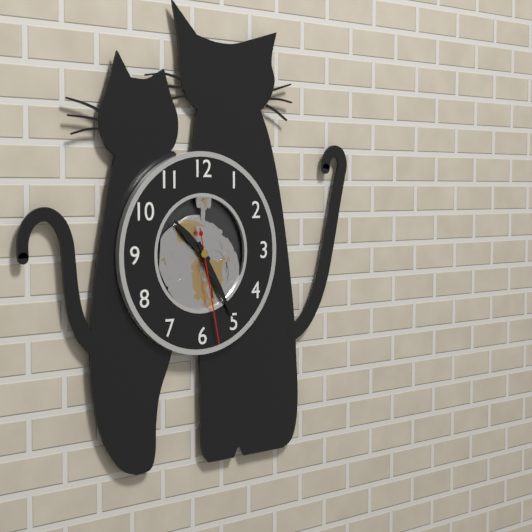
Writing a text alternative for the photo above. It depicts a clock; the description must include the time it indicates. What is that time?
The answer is 10:25:28
